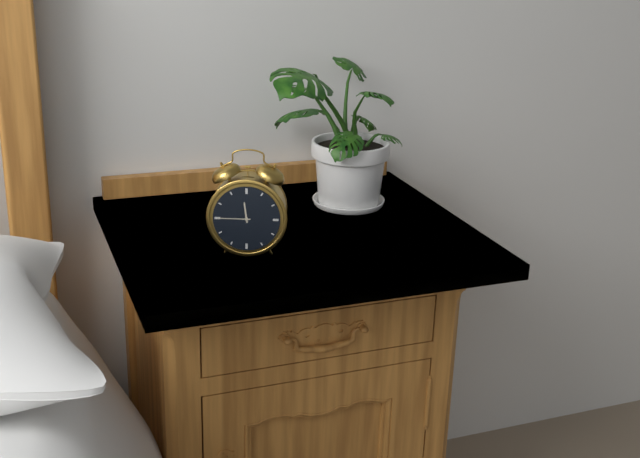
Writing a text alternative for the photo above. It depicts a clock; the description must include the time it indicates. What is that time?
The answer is 11:45
